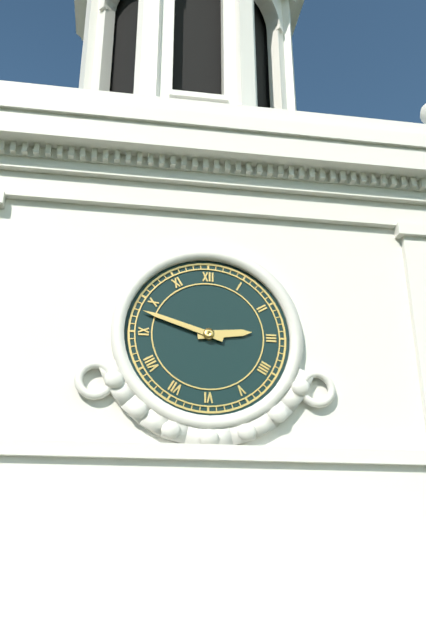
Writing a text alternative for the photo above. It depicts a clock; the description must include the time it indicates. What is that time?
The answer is 2:48
